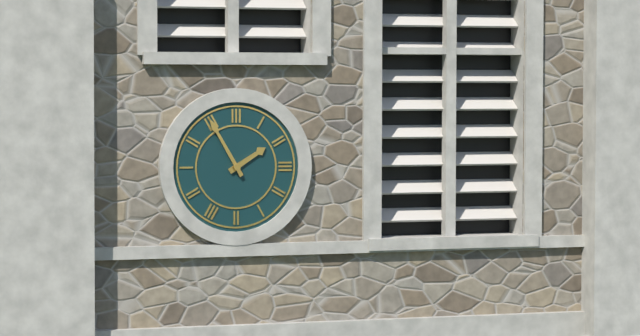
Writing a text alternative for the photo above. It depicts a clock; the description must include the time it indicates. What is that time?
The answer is 1:55
